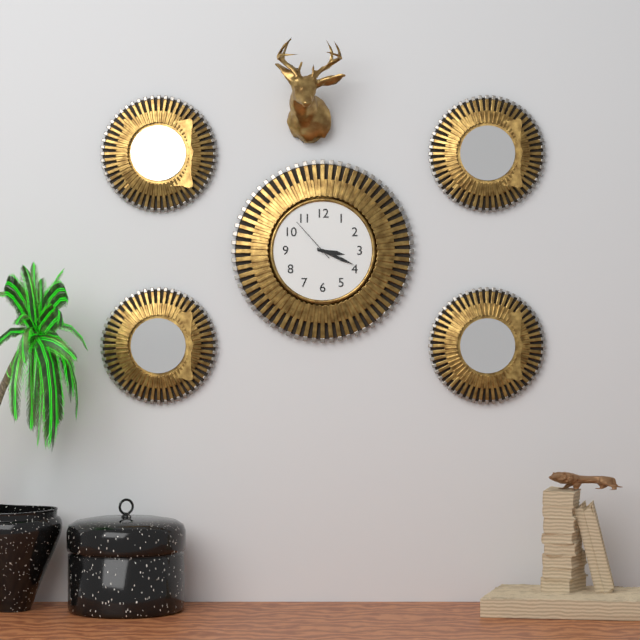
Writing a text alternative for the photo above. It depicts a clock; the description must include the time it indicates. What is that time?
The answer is 3:19
